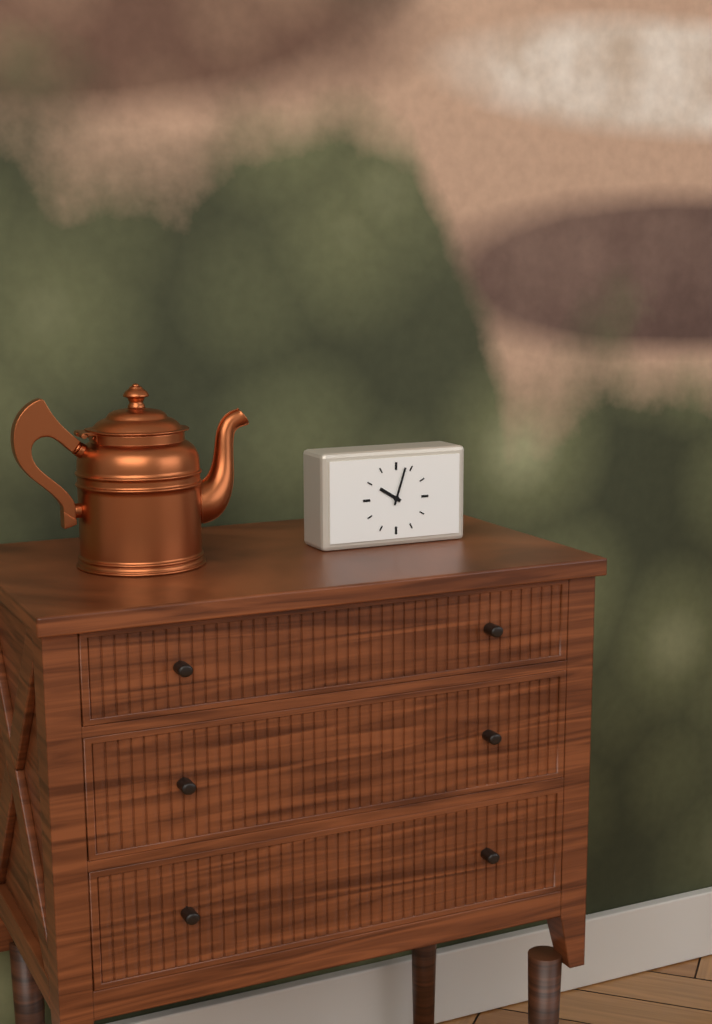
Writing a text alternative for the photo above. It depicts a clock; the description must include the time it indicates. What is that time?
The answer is 10:03
